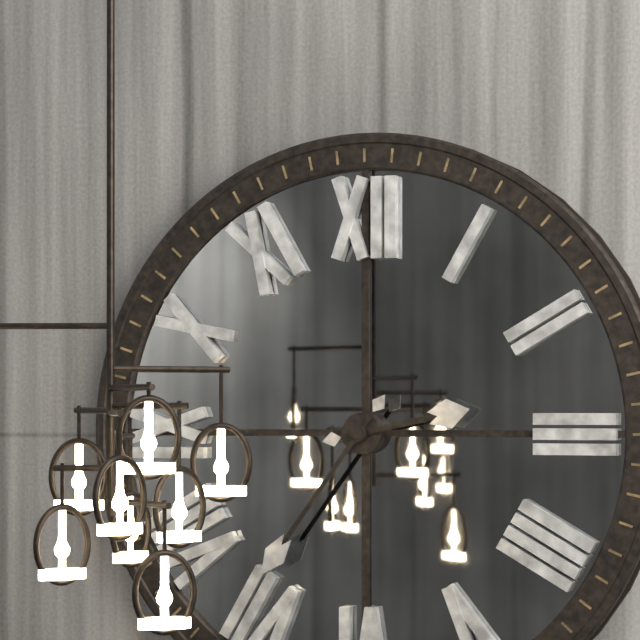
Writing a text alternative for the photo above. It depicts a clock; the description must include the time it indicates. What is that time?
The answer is 2:36
